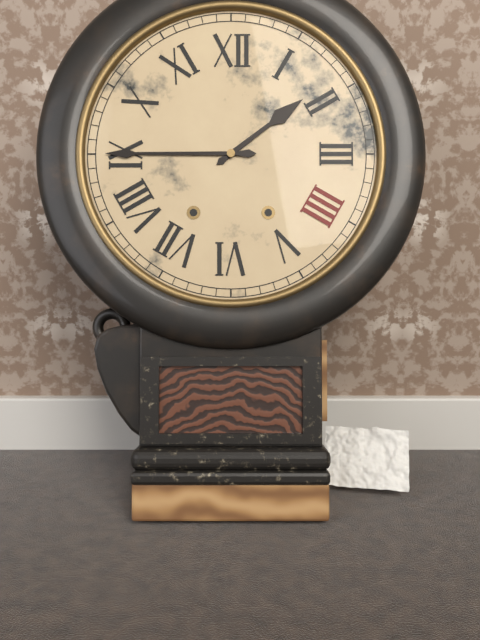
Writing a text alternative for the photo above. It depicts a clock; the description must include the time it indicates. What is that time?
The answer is 1:45
